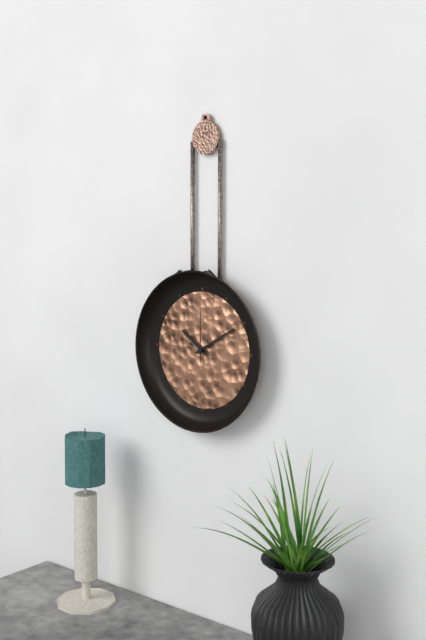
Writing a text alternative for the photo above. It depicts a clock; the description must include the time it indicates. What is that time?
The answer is 10:10:00
